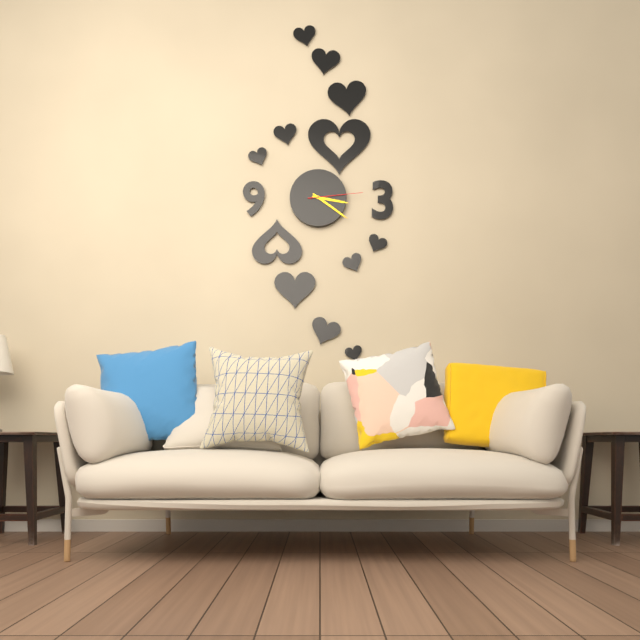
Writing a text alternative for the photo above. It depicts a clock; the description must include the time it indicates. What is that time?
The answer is 3:21:14
